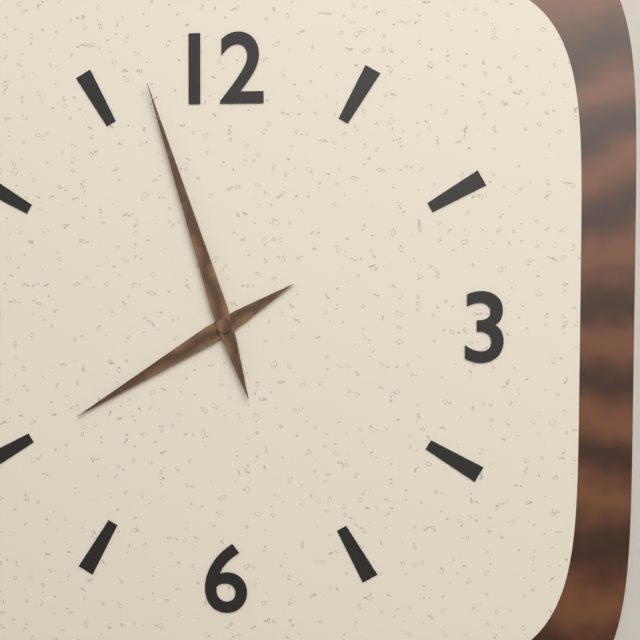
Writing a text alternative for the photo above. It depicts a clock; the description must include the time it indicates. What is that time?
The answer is 7:57
